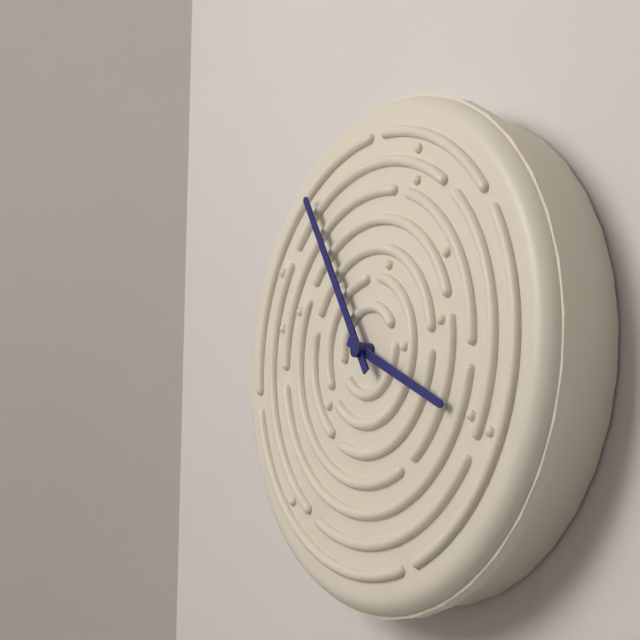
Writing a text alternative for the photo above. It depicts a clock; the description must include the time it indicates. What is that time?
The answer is 3:55
